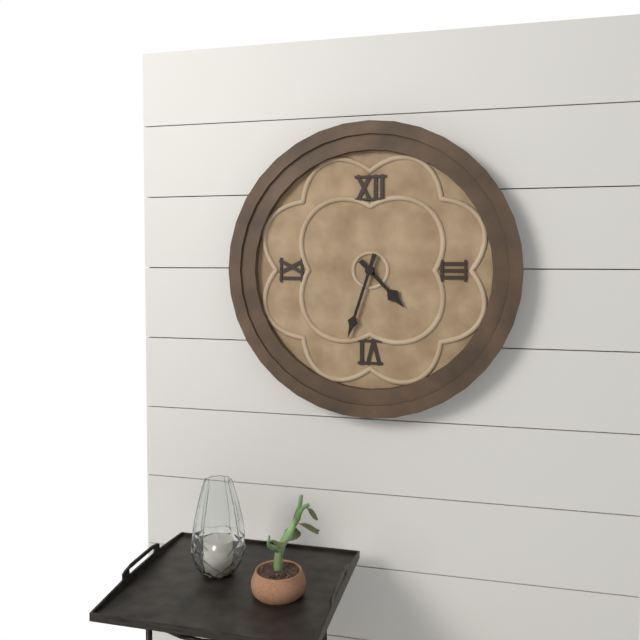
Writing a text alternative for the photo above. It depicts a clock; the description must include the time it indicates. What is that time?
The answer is 4:33
